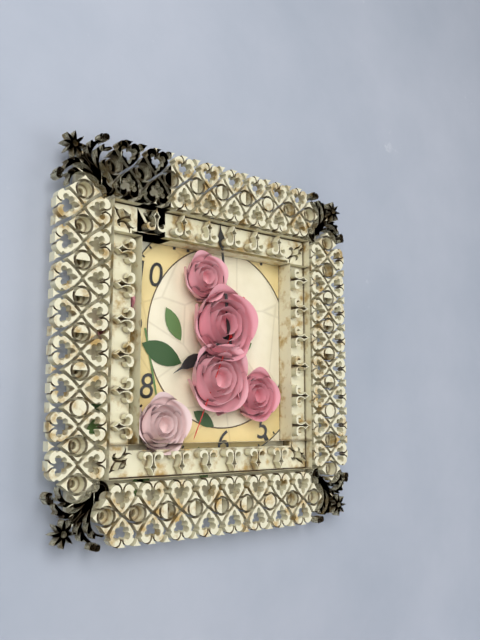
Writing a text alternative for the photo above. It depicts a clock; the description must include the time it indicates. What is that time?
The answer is 7:59:34
